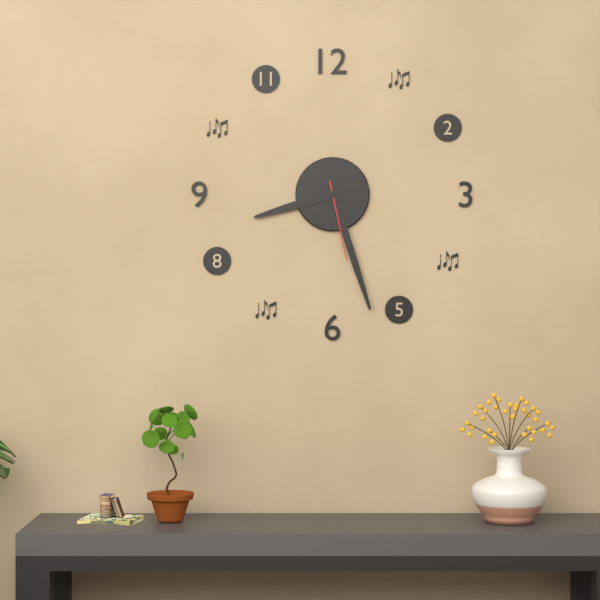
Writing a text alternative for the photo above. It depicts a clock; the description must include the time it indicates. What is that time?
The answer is 8:27:28
